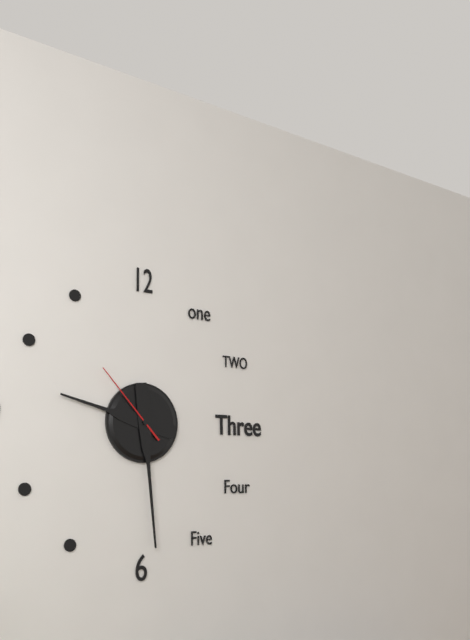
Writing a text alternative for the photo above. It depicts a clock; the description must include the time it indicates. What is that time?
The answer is 9:29:53
